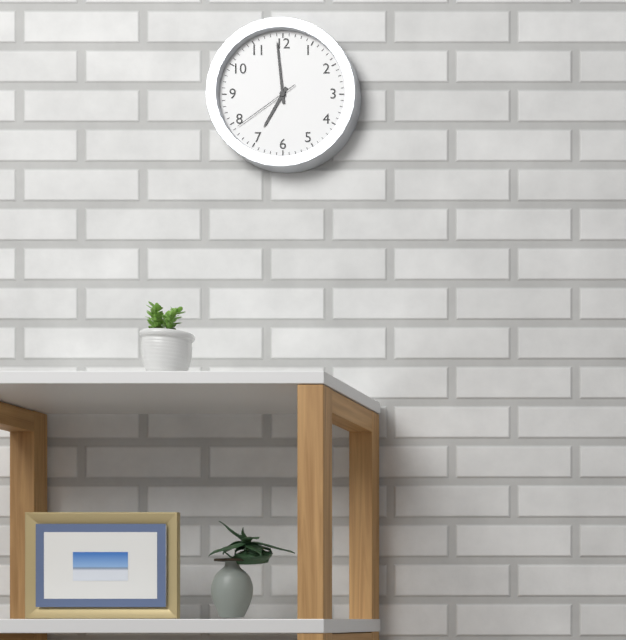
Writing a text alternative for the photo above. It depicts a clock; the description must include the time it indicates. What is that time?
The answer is 6:59:39
